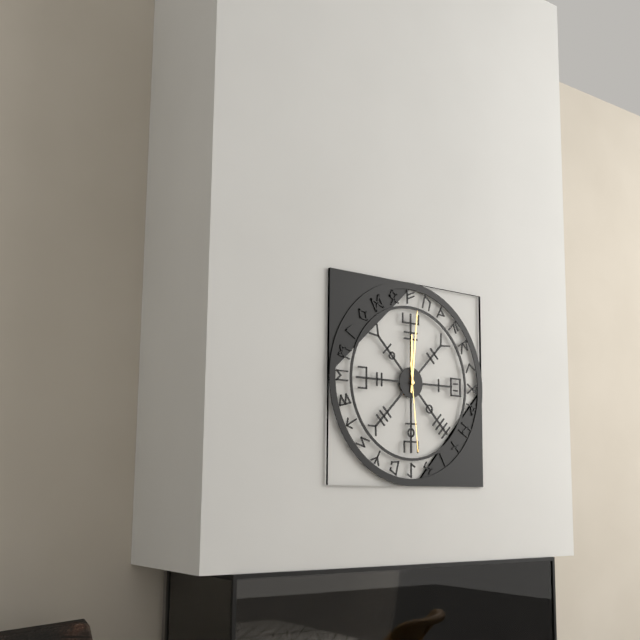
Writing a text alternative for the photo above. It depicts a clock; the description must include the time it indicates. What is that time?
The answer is 12:01:29
